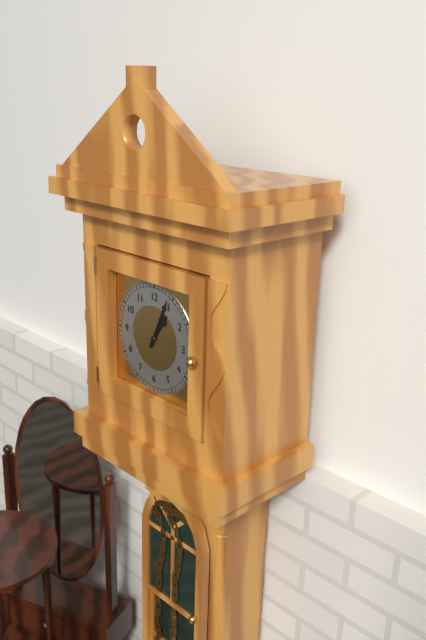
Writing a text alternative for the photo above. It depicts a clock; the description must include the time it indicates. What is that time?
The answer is 1:04
